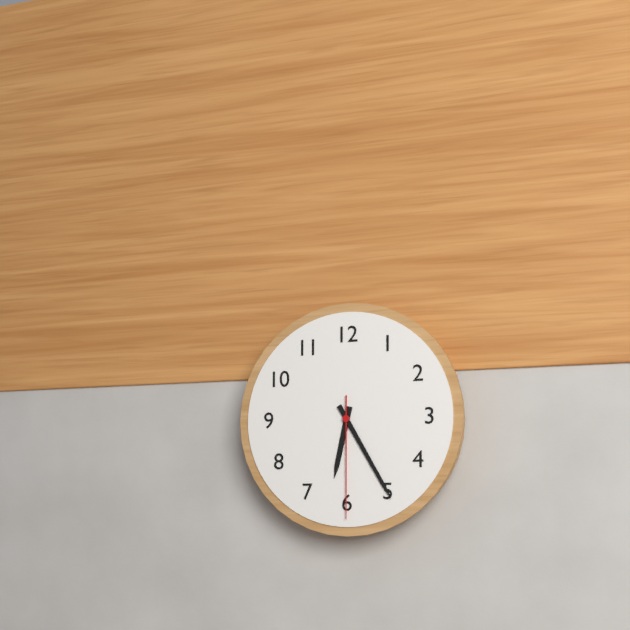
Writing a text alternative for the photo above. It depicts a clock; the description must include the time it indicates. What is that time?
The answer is 6:25:30
